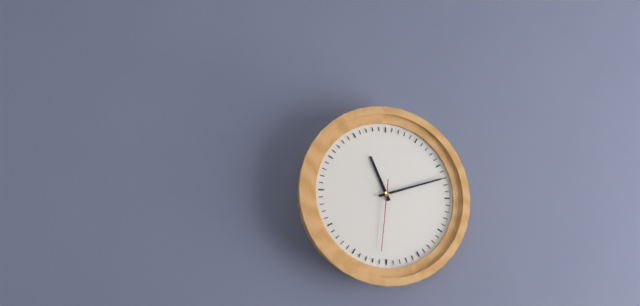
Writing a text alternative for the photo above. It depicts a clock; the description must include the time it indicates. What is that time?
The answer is 11:12:31
